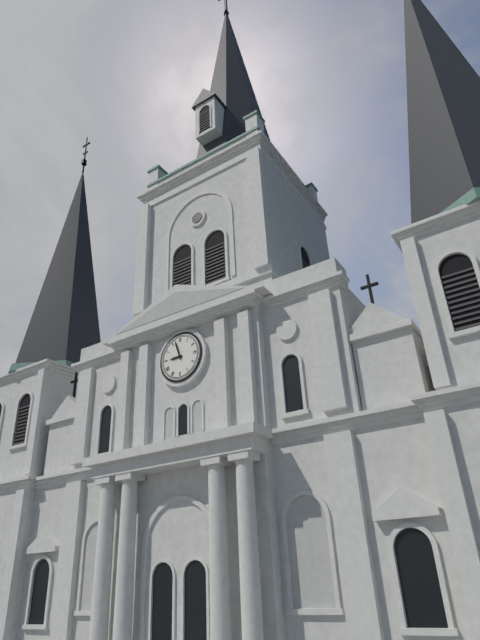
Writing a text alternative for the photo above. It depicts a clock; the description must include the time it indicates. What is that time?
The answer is 8:57
